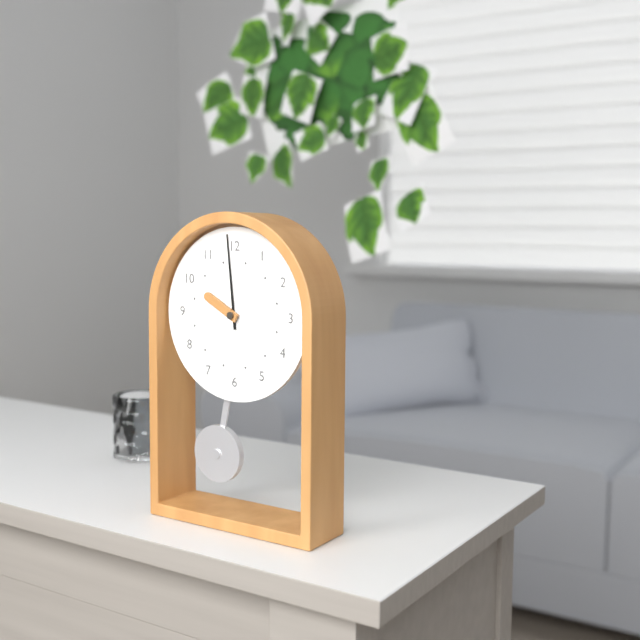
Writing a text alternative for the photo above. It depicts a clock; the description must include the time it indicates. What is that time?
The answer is 9:59
